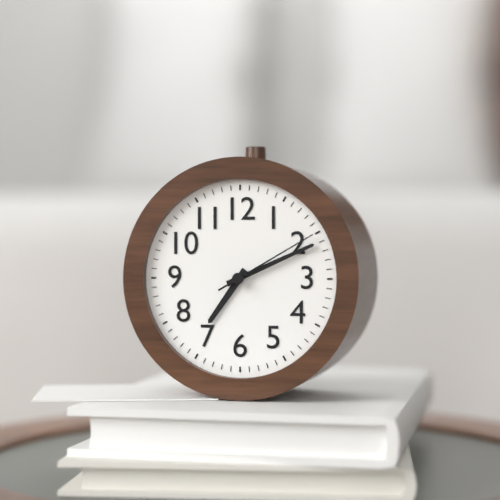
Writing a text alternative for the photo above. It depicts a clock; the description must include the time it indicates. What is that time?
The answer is 7:11:10
